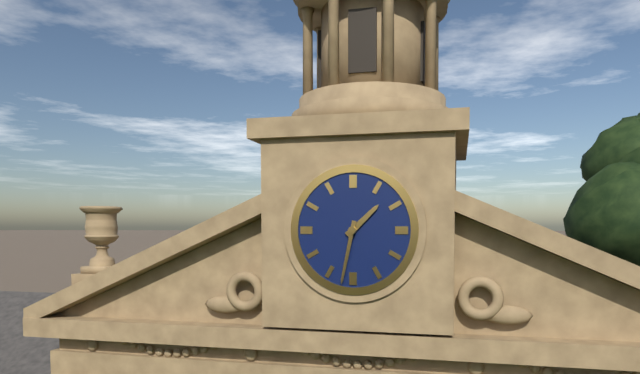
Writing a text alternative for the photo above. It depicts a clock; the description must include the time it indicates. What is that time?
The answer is 1:32
